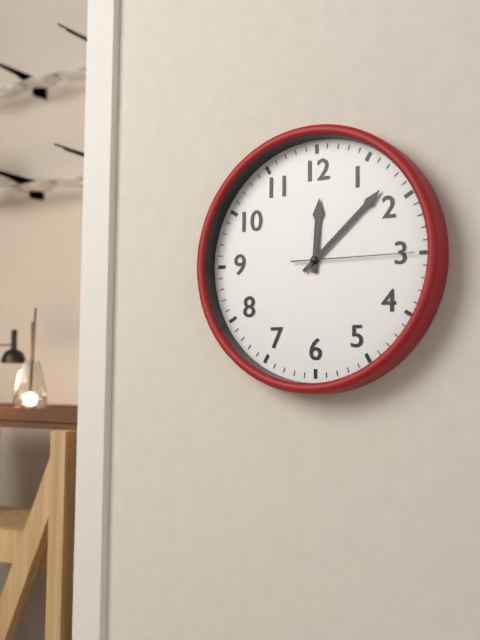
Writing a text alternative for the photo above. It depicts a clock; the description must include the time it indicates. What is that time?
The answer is 12:08:15
